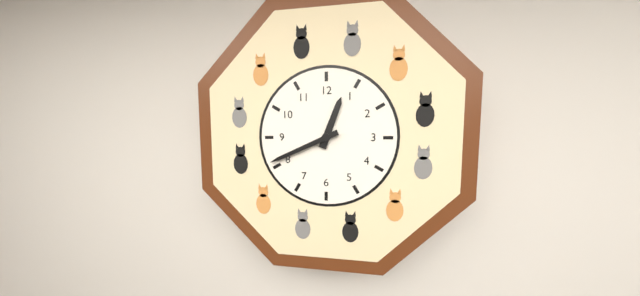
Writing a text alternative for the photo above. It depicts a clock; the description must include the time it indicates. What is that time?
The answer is 12:41
